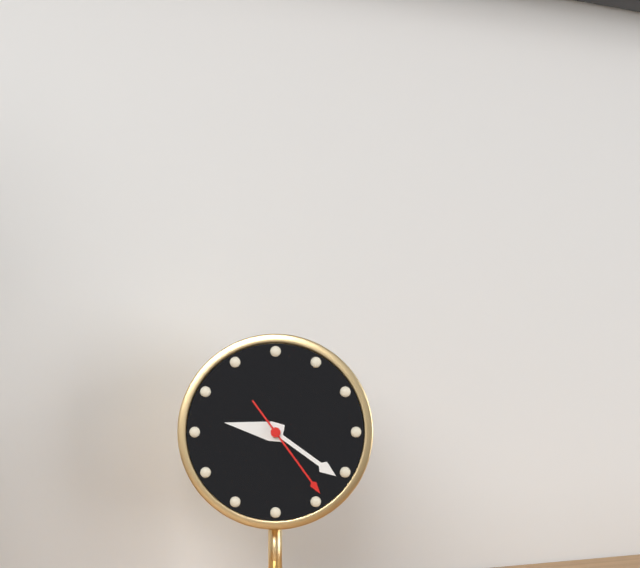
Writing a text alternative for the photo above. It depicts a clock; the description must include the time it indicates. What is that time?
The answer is 9:21:24
